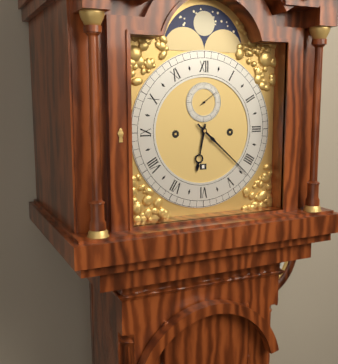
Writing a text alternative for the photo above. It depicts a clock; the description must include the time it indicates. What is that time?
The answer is 6:22
